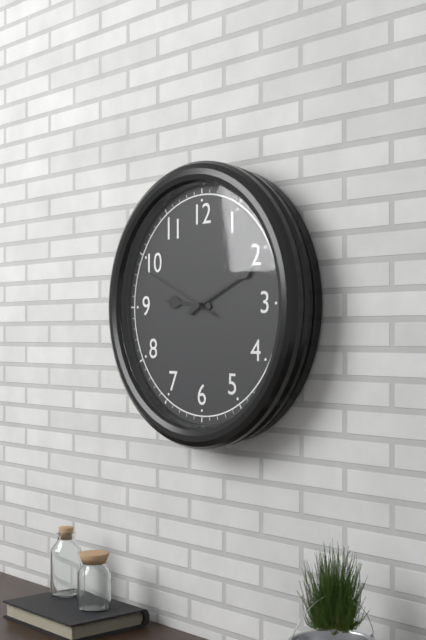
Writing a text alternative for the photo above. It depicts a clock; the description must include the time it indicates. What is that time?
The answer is 9:11:49
